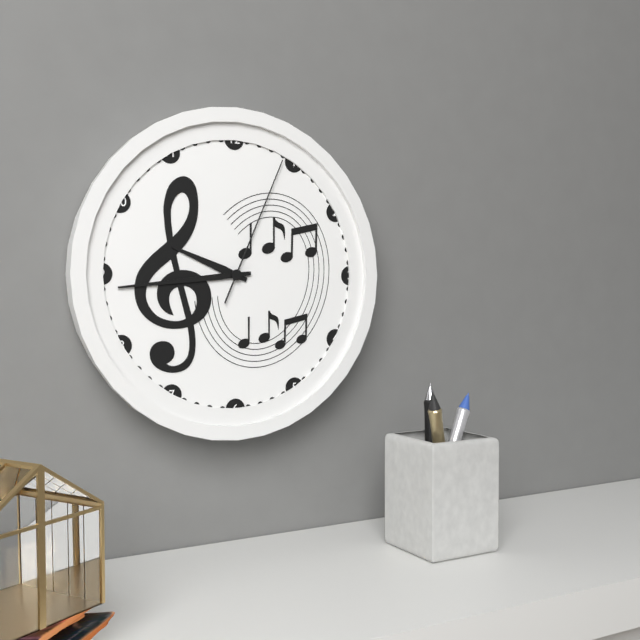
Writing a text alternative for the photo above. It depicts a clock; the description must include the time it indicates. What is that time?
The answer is 9:44:04
